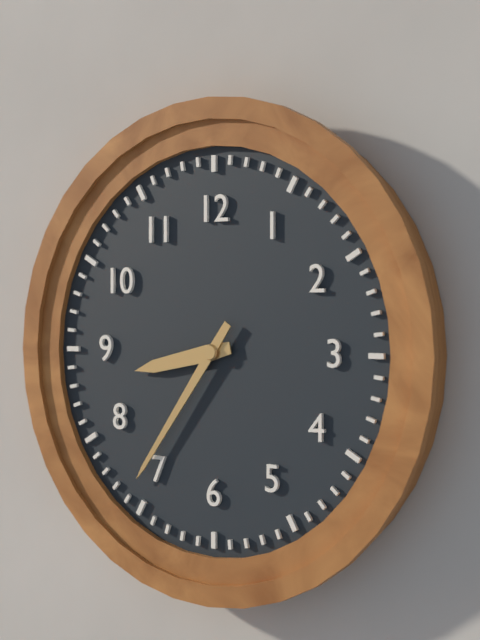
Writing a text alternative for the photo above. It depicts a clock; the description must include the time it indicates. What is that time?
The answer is 8:36
